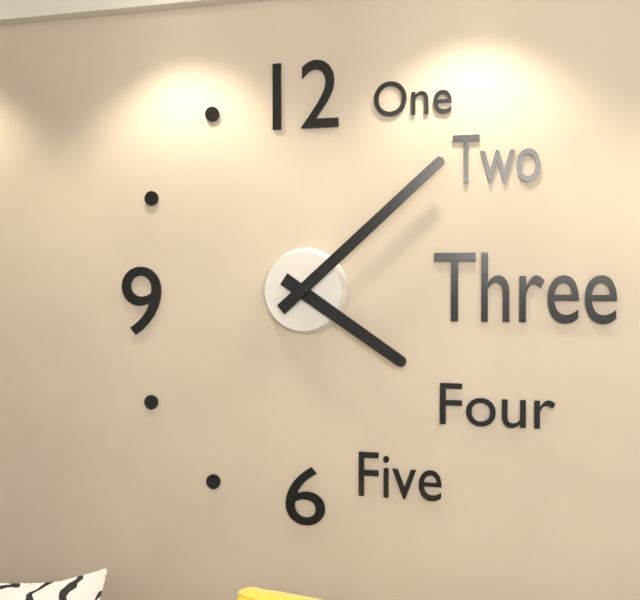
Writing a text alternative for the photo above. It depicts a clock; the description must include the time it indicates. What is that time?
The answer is 4:08
